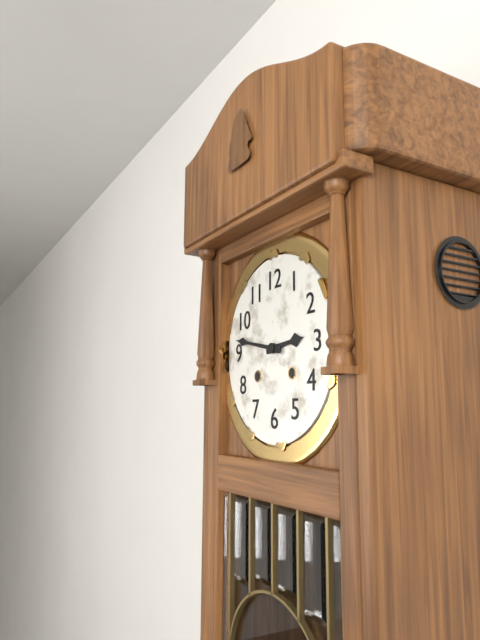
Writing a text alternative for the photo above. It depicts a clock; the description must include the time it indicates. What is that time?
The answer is 2:47
